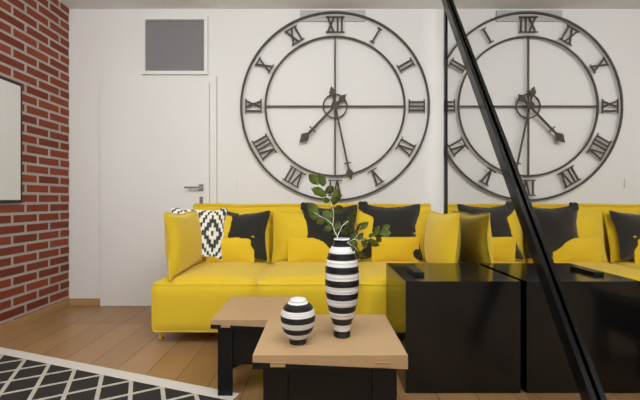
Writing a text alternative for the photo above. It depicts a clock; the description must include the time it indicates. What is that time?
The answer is 7:28
